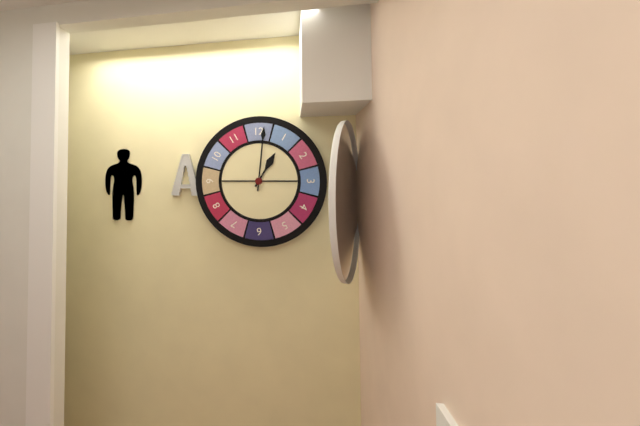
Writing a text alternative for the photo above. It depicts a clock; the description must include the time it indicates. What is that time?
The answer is 1:01
